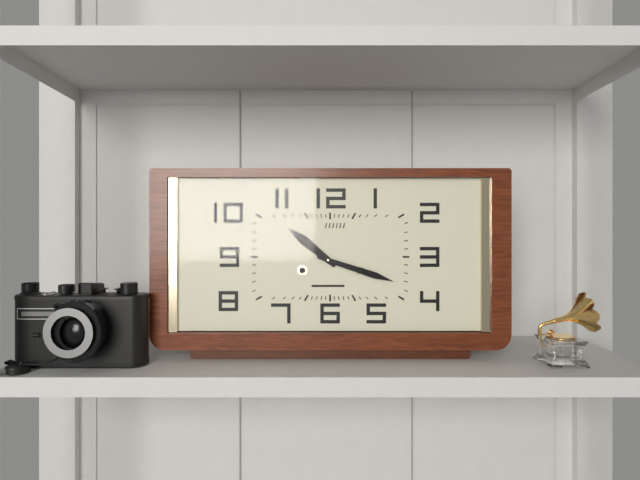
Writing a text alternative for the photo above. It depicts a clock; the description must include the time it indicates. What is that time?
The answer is 10:18
